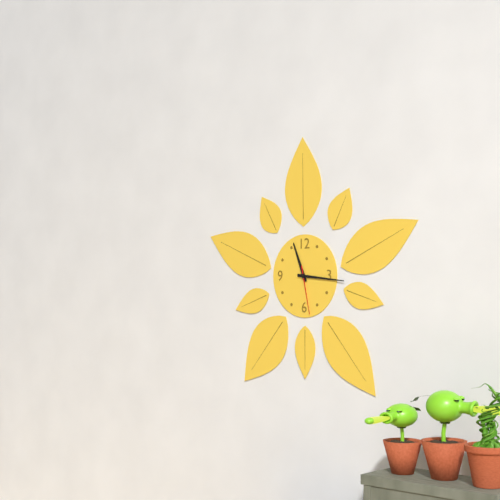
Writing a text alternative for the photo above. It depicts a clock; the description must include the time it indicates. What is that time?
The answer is 11:16
